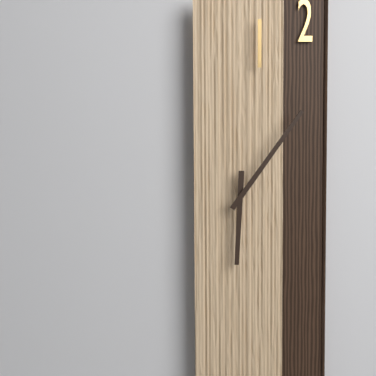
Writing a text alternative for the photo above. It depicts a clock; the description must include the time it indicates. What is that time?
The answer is 6:06
